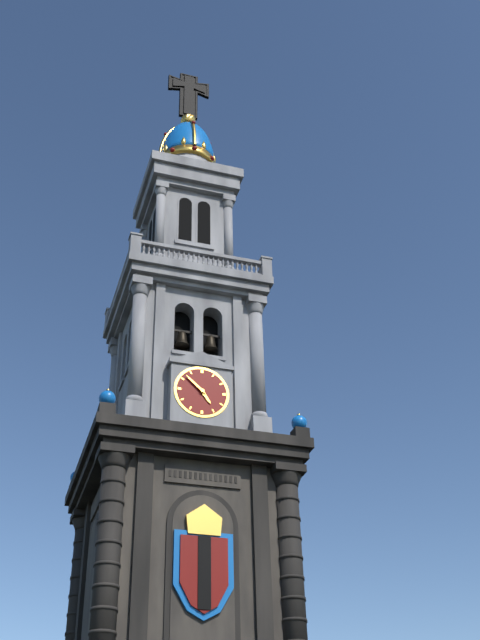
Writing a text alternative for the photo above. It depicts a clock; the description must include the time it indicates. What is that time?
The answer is 4:52
